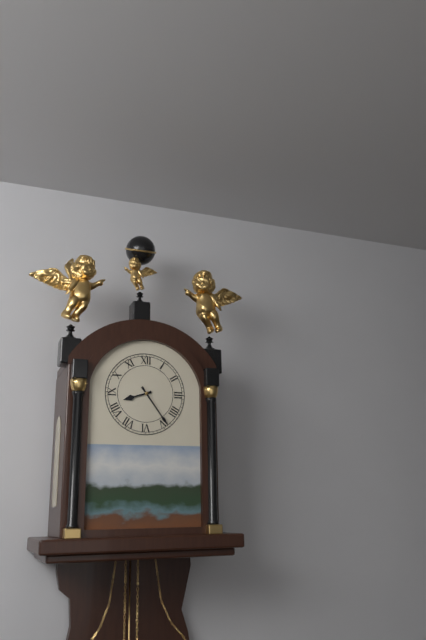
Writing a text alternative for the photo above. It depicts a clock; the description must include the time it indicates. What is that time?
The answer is 8:24
